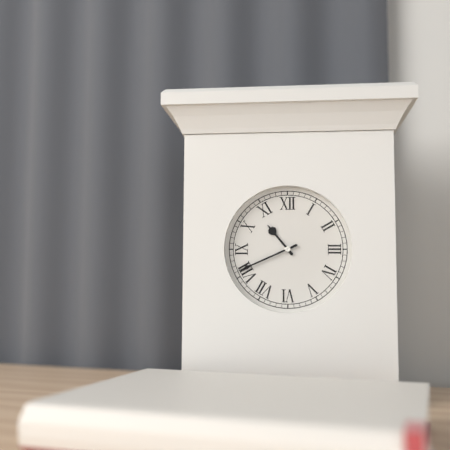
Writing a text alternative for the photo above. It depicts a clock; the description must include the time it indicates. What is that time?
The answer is 10:41
